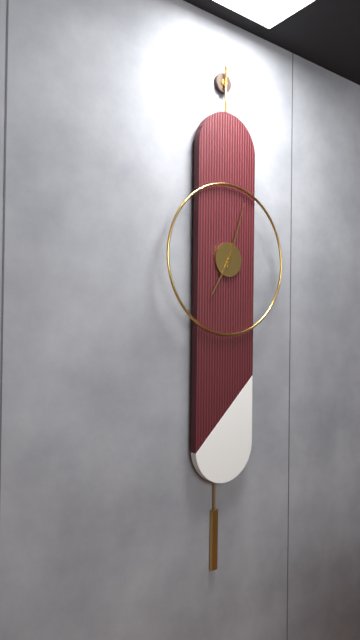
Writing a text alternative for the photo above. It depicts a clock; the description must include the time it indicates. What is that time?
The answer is 7:03
